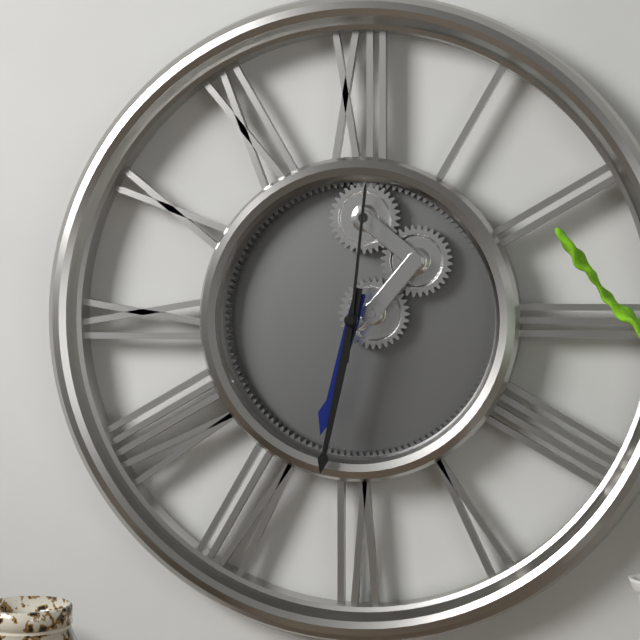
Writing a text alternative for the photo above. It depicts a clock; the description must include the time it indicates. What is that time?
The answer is 6:32:01
